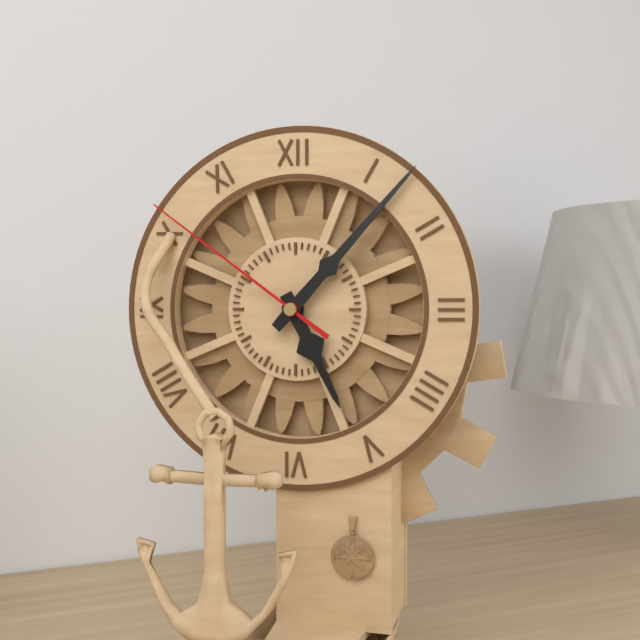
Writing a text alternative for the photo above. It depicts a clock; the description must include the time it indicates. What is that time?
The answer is 5:07:51
